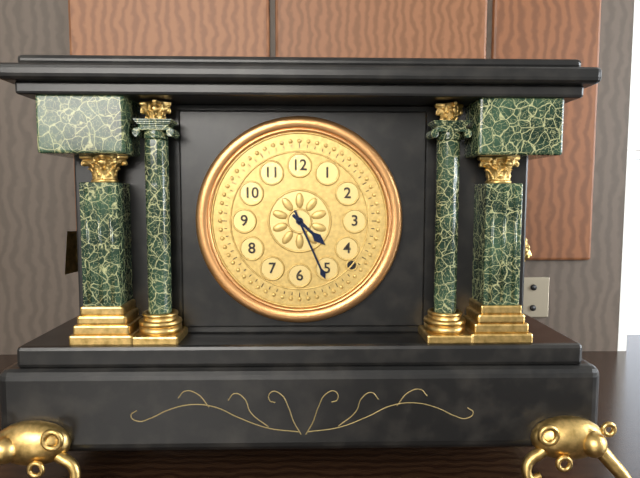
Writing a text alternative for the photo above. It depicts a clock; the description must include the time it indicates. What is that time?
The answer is 4:26
